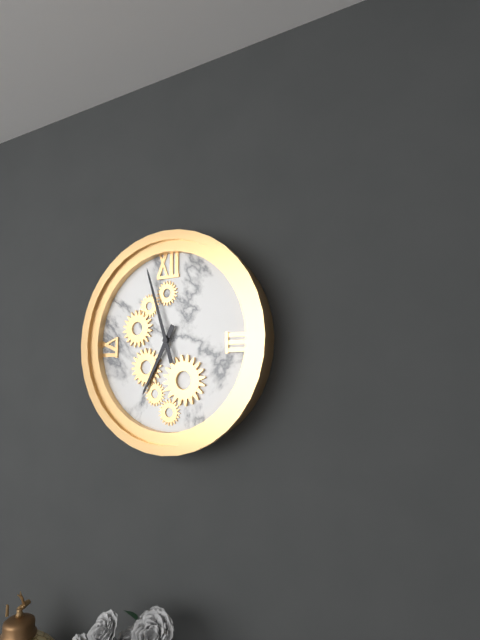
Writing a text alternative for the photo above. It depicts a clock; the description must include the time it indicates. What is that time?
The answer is 6:57
